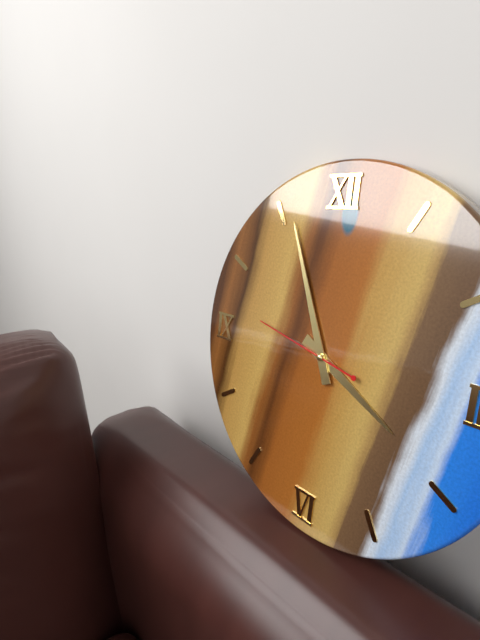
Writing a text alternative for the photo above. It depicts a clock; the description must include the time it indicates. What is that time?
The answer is 3:56:47
